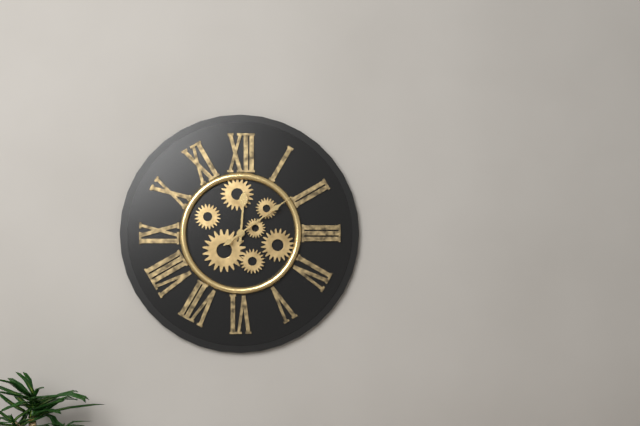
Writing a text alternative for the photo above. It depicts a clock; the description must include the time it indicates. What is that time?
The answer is 12:09
